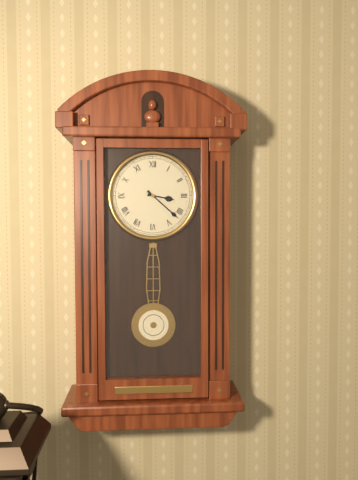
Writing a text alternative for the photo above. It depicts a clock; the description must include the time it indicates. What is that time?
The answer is 3:22
